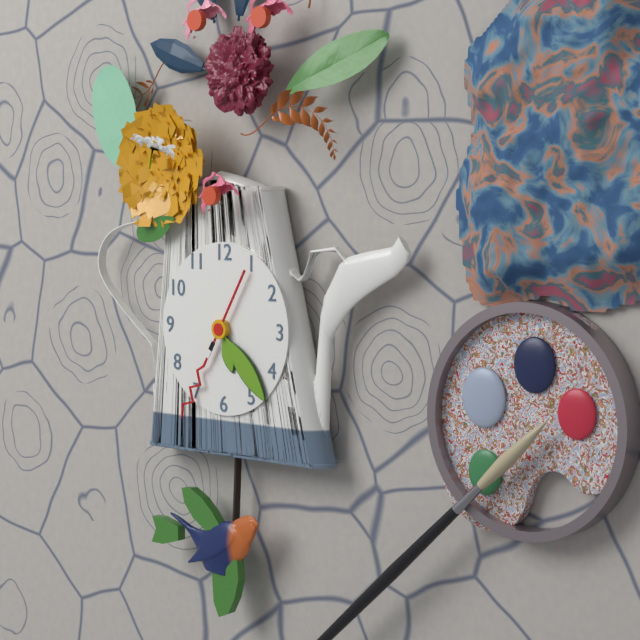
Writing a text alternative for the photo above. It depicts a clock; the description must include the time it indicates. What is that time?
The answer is 5:23:35
